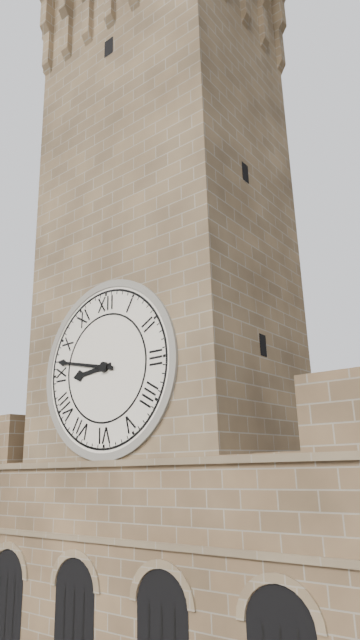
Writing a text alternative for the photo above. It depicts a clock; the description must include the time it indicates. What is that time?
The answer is 8:47
